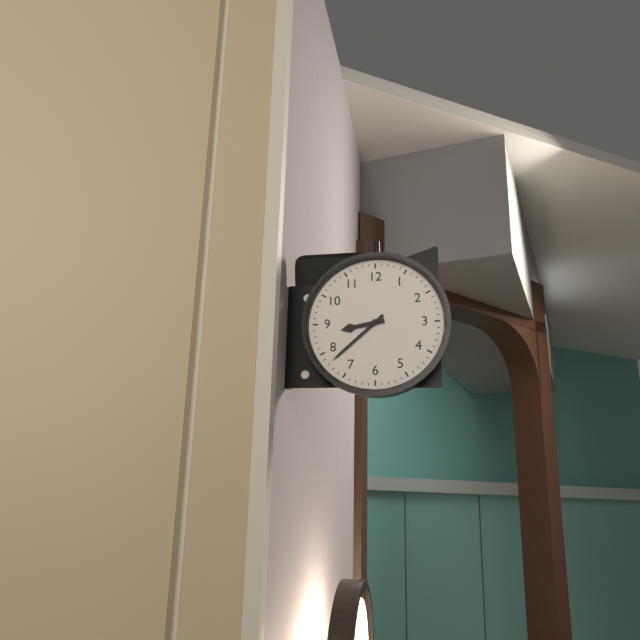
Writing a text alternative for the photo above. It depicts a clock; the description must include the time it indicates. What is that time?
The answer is 8:38
